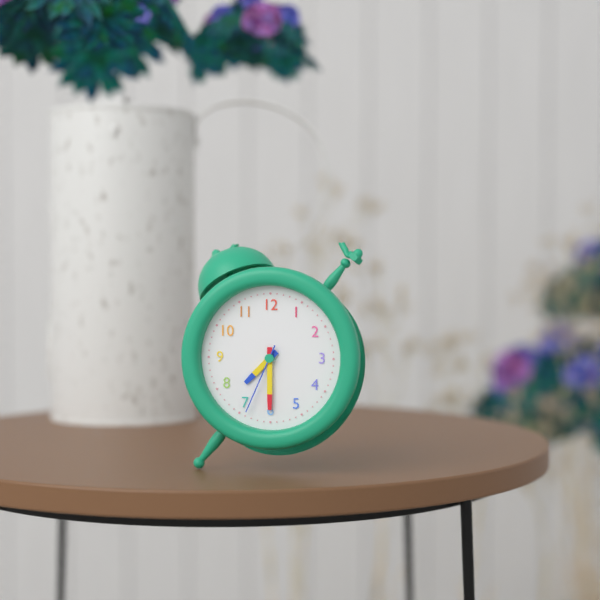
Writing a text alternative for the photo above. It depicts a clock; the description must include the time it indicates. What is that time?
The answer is 7:30:34
